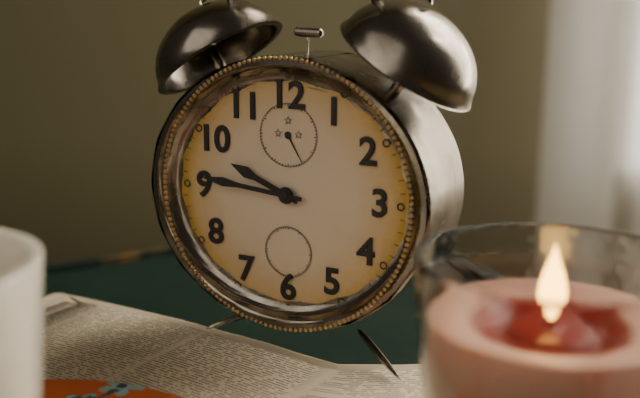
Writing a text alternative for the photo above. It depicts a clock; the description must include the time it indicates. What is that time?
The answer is 9:46
